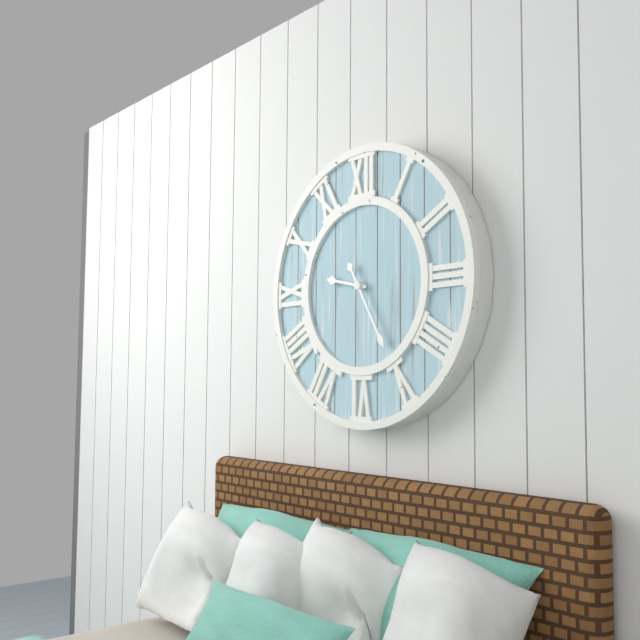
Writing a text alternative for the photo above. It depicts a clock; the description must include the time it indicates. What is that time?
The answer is 9:25
